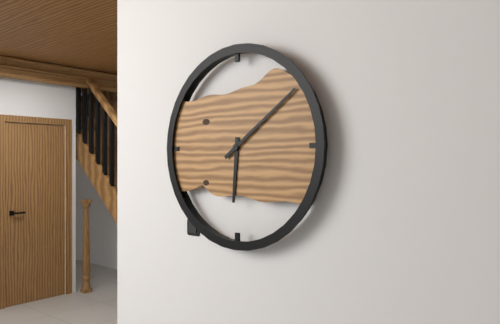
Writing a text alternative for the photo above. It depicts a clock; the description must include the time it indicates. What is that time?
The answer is 6:09
